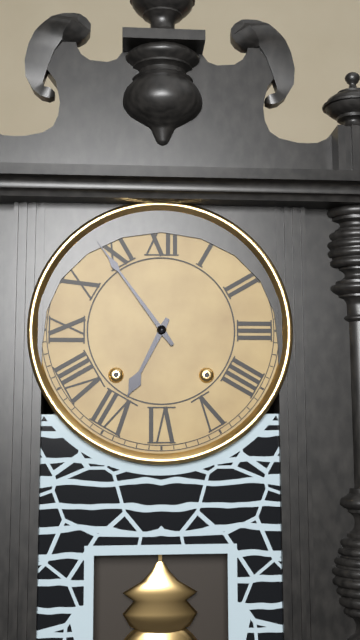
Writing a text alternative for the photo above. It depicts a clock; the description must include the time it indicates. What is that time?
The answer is 6:54
